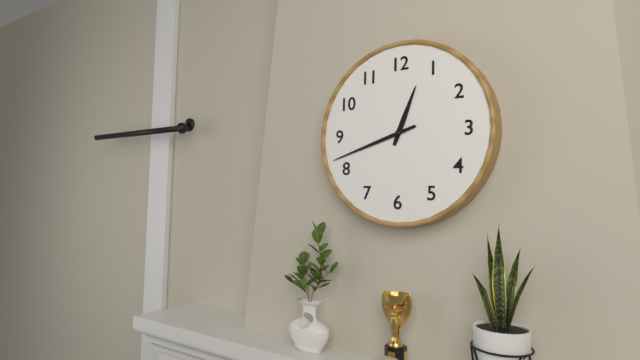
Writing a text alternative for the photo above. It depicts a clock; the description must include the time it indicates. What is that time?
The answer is 12:42
